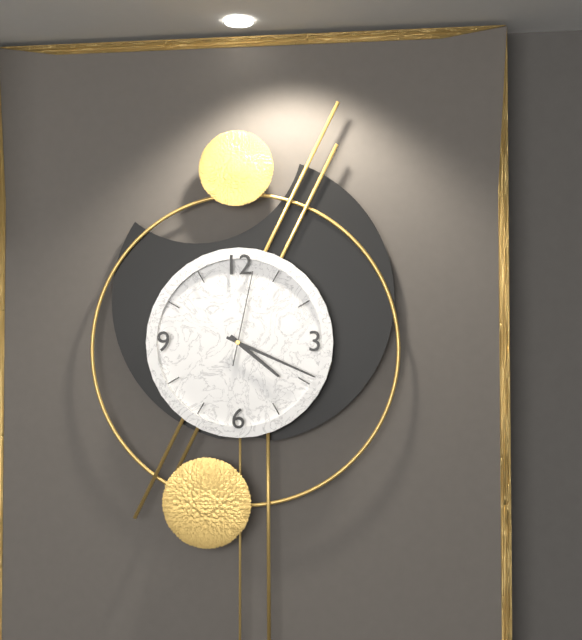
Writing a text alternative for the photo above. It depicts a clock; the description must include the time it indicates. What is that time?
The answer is 4:19:02
